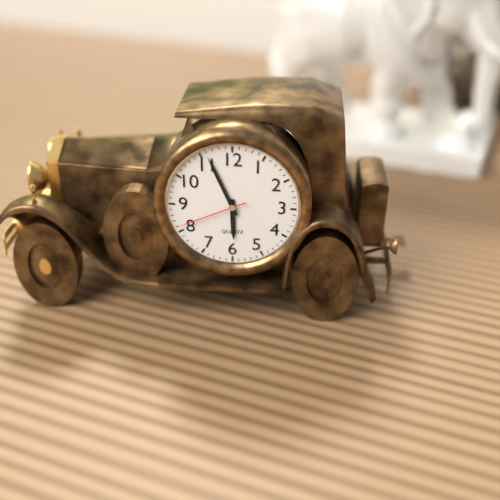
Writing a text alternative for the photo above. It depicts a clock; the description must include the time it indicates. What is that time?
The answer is 5:56:41
